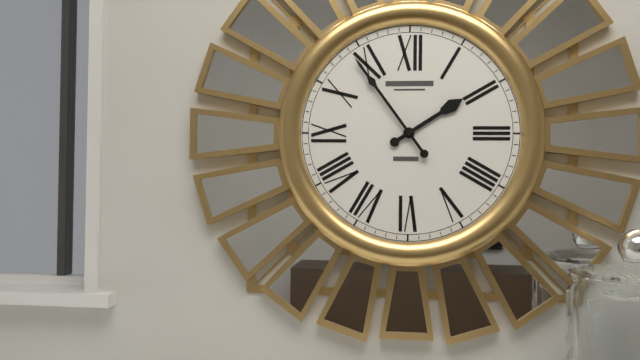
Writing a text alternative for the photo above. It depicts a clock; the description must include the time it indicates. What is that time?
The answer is 1:54
